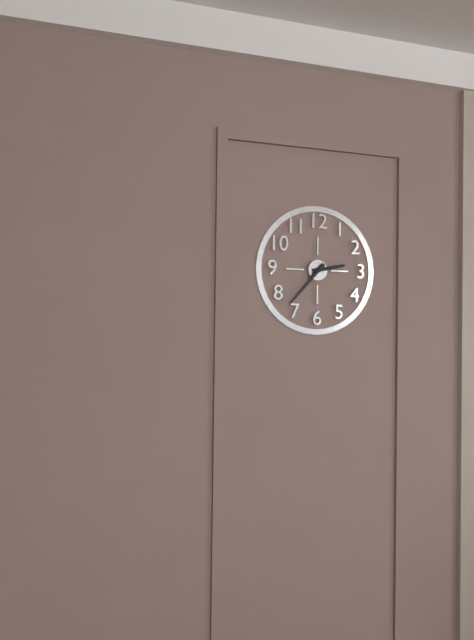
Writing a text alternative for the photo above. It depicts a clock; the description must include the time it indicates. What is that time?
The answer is 2:37
